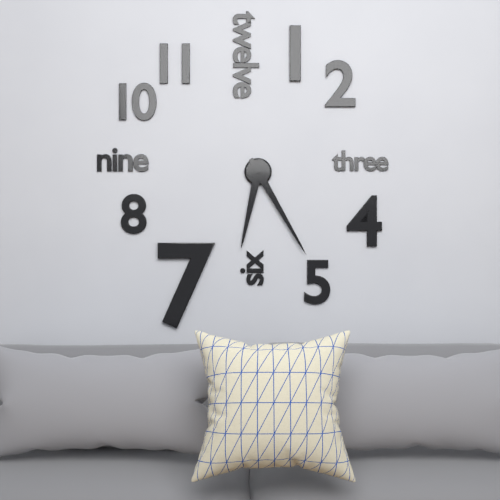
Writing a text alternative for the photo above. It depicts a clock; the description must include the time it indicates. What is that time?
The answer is 6:25
